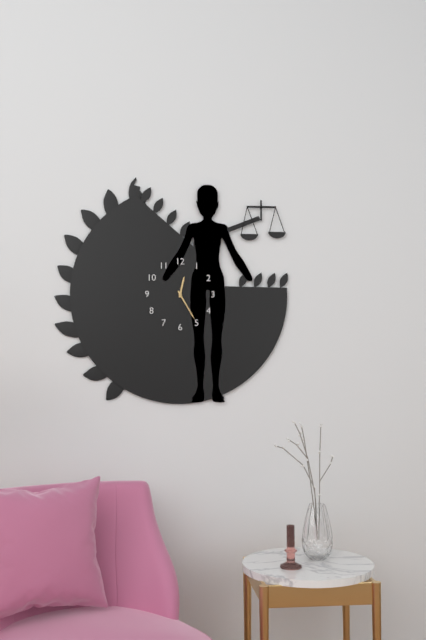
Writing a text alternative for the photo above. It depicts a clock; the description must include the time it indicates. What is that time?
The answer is 12:25
